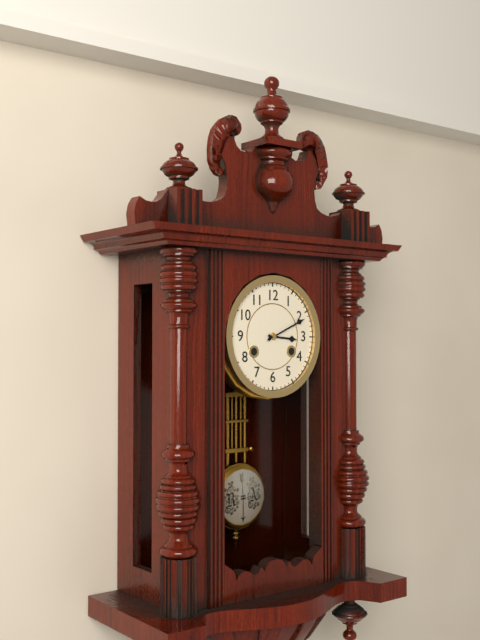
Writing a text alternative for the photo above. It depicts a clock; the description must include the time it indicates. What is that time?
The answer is 3:11
